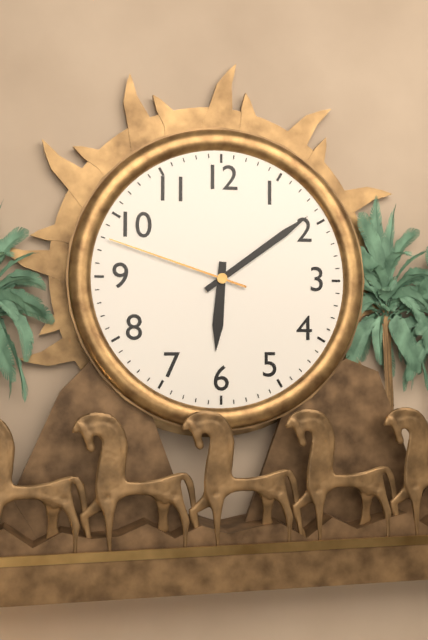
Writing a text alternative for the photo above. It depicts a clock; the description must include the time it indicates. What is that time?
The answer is 6:09:48
